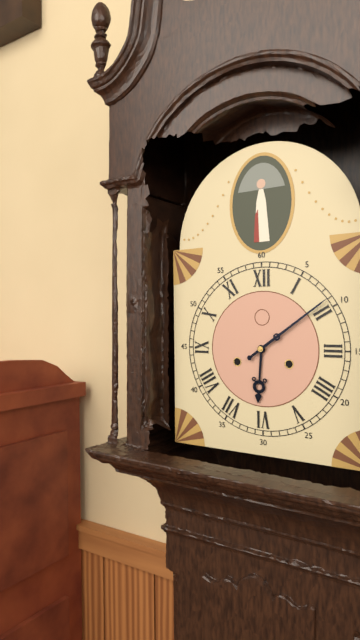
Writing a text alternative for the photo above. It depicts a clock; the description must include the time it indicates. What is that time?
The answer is 6:09
